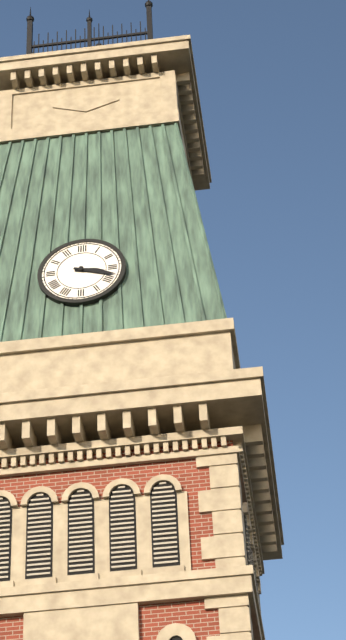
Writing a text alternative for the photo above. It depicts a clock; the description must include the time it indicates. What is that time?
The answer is 3:18
